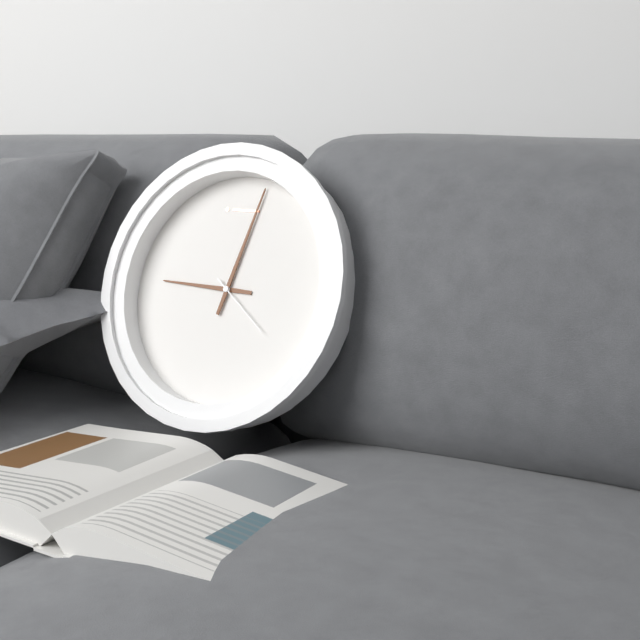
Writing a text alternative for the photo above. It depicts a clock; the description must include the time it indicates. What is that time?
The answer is 9:02:21
